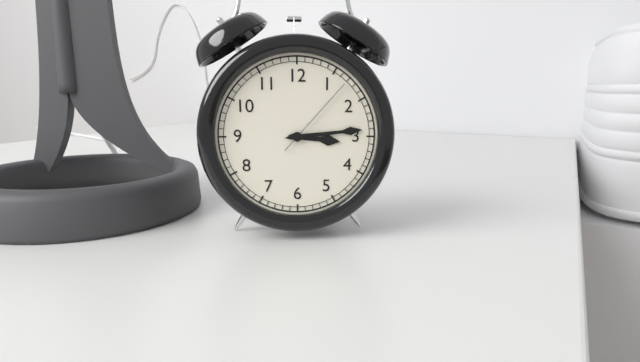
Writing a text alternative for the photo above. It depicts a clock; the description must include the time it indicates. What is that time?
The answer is 3:14:07
